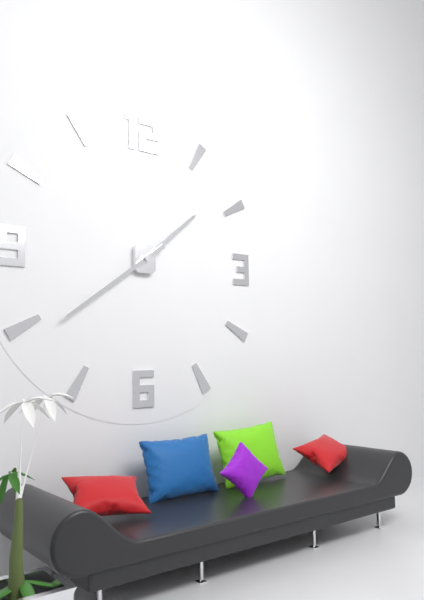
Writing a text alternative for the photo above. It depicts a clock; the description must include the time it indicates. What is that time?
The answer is 1:39
